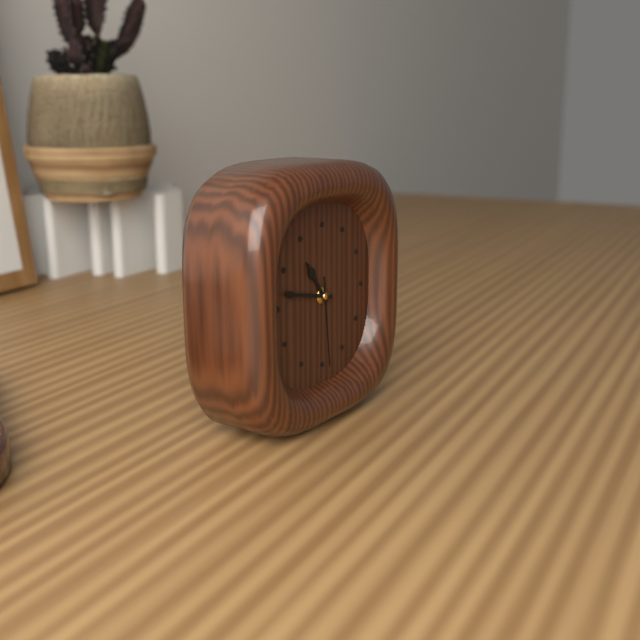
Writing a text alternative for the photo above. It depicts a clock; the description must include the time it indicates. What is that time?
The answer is 10:47:29
